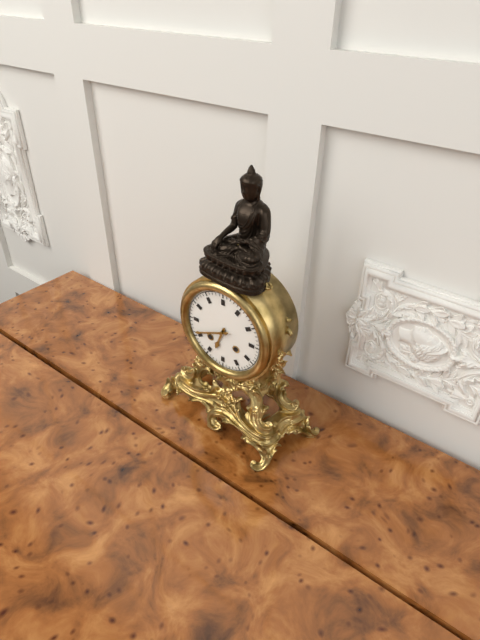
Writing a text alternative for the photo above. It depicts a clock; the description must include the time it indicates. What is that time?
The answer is 6:41
